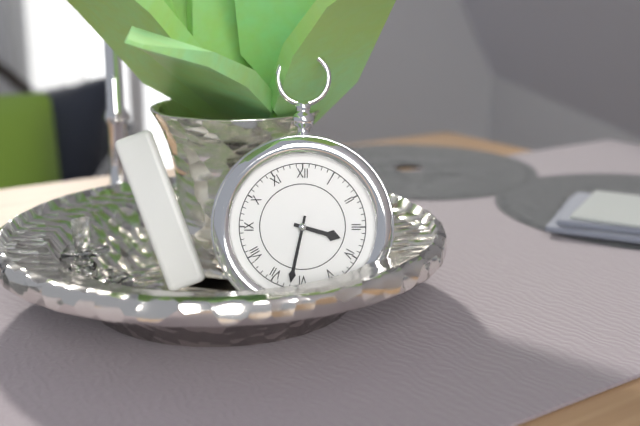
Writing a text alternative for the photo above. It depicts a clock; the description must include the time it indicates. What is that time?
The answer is 3:32
